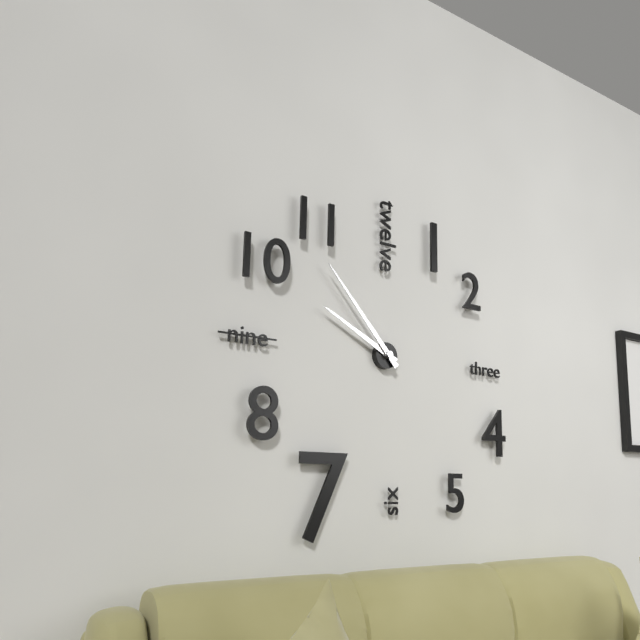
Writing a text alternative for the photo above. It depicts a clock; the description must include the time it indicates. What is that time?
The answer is 9:53
